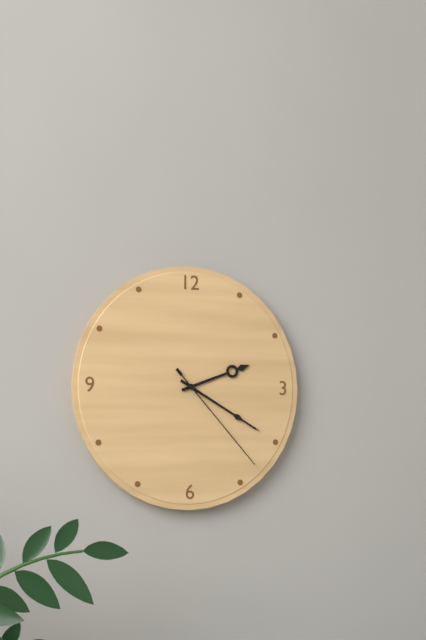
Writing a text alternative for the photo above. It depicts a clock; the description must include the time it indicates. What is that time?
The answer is 2:20:23
